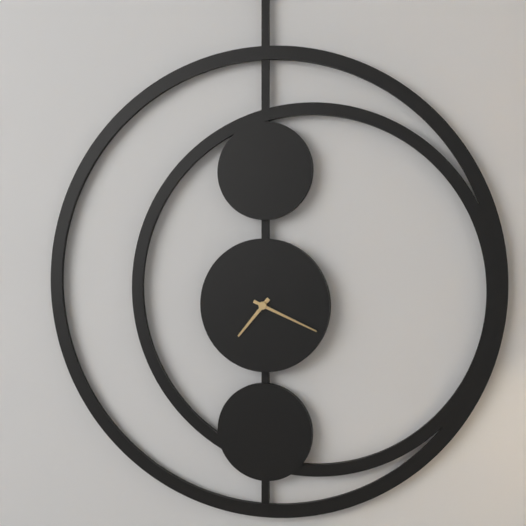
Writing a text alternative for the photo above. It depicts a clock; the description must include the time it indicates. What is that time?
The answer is 7:19
